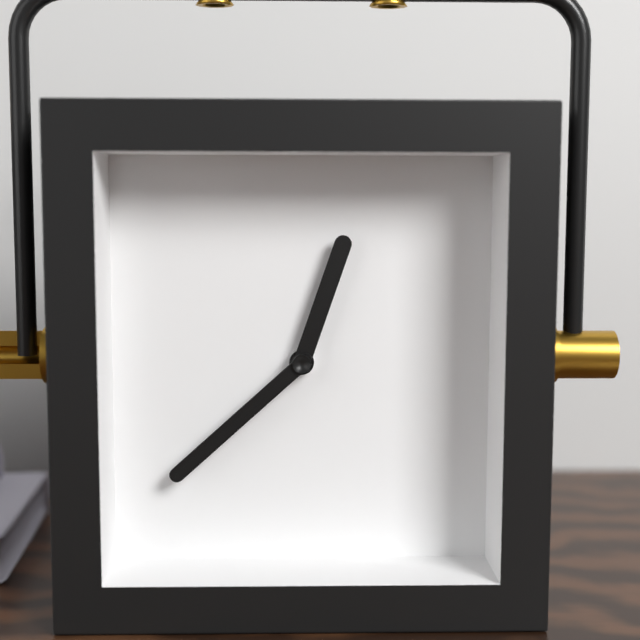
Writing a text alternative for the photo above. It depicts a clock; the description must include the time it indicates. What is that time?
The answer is 12:38
